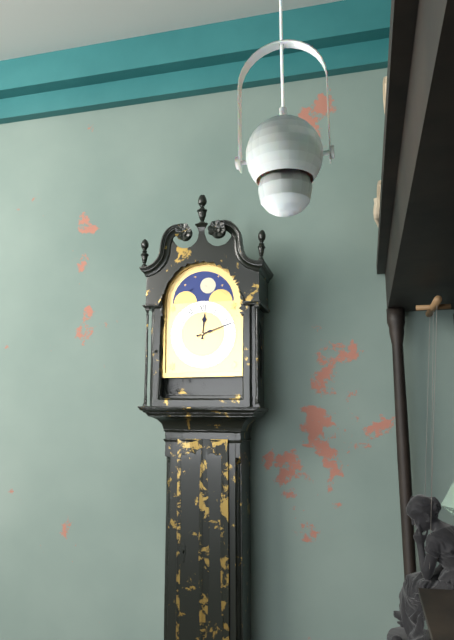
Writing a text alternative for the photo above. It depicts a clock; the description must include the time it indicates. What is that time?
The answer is 12:12
